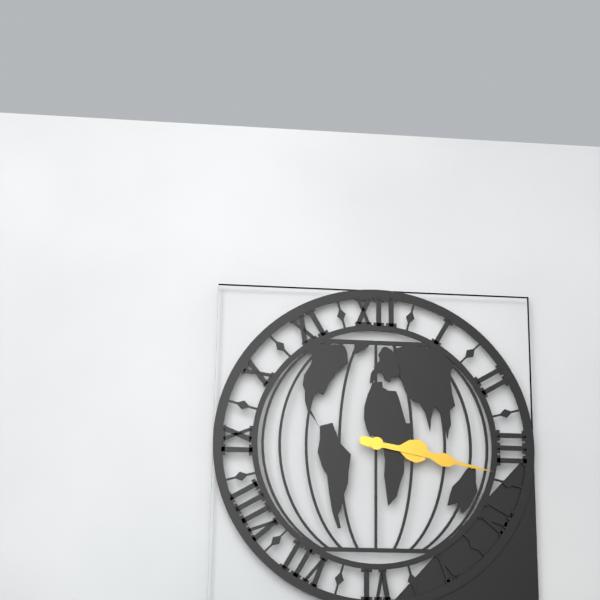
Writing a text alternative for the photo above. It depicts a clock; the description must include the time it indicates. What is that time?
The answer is 3:17
